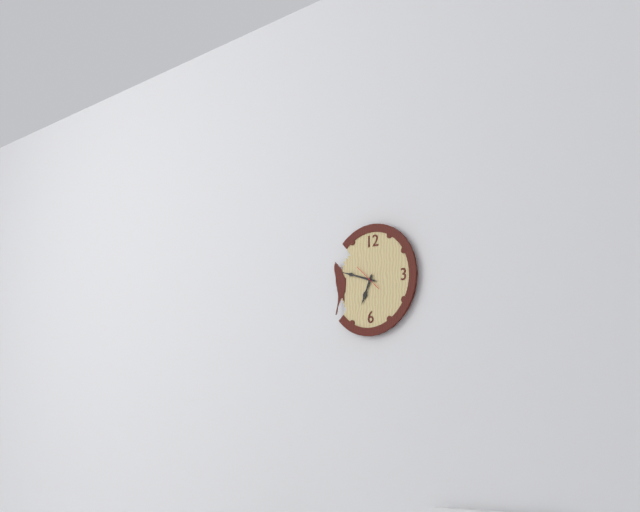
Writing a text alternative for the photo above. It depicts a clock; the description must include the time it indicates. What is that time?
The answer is 6:48
